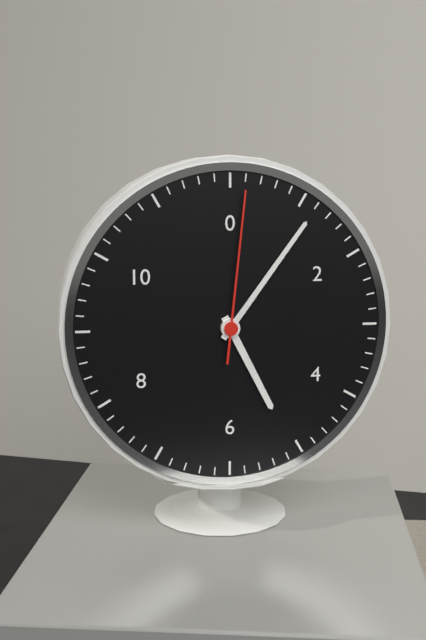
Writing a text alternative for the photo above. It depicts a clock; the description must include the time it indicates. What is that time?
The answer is 5:06:01
